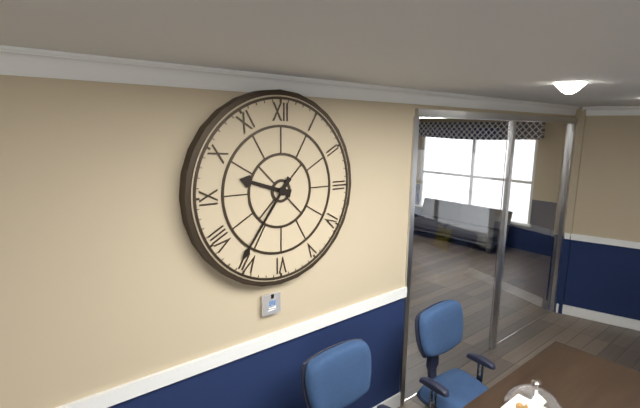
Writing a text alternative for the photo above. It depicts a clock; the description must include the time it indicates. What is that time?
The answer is 9:36
